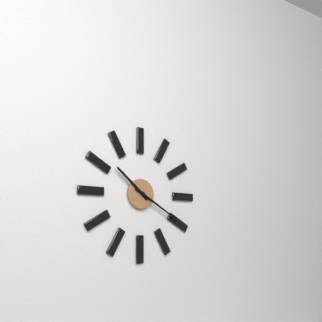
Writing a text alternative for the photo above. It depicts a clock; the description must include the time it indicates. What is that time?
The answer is 10:20
